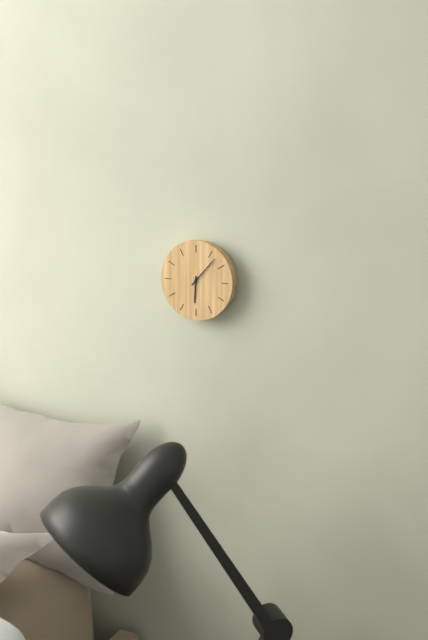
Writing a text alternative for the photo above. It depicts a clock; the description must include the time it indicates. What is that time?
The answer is 6:07
